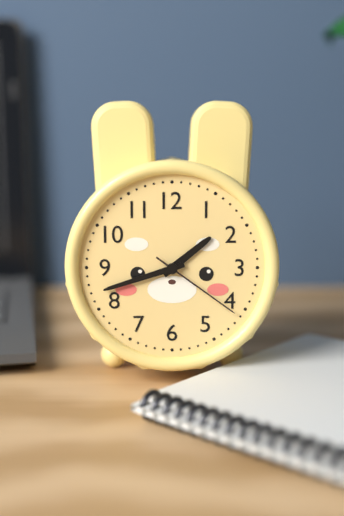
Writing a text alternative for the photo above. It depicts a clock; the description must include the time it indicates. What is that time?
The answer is 1:42:21
